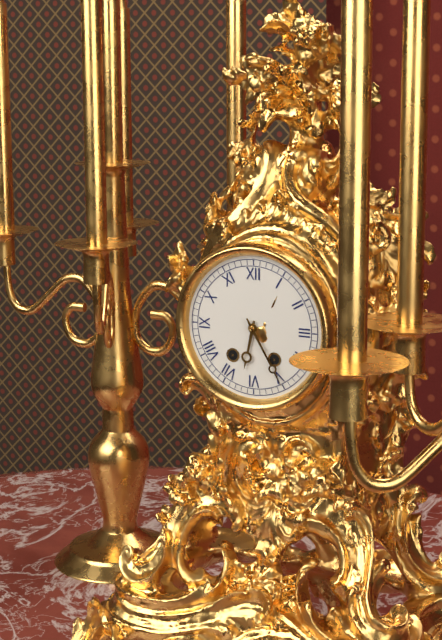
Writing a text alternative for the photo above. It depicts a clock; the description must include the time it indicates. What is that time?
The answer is 6:25
